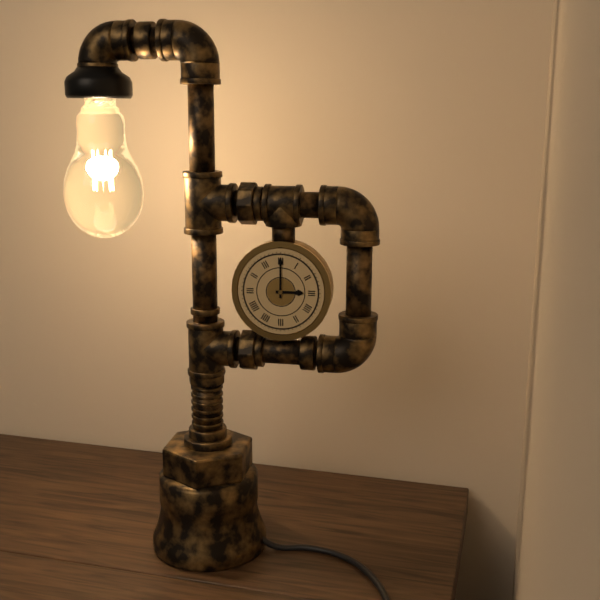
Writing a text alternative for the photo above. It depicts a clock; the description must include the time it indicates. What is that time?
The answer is 3:00
